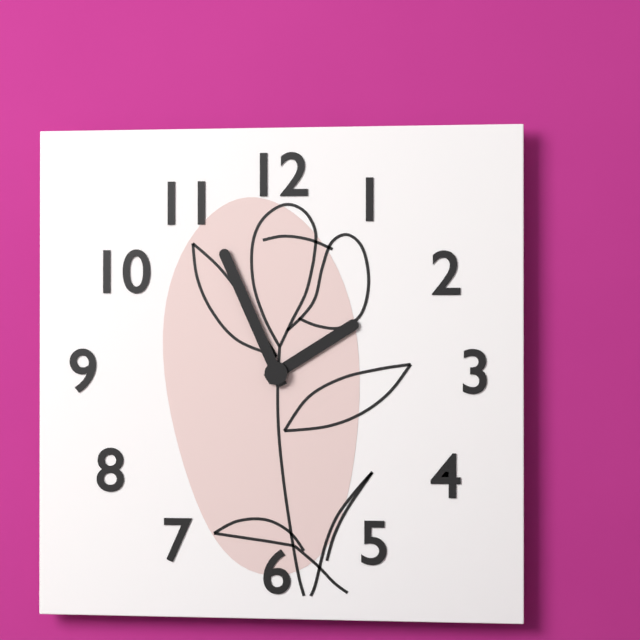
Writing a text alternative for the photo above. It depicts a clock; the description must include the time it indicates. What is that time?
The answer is 1:56
